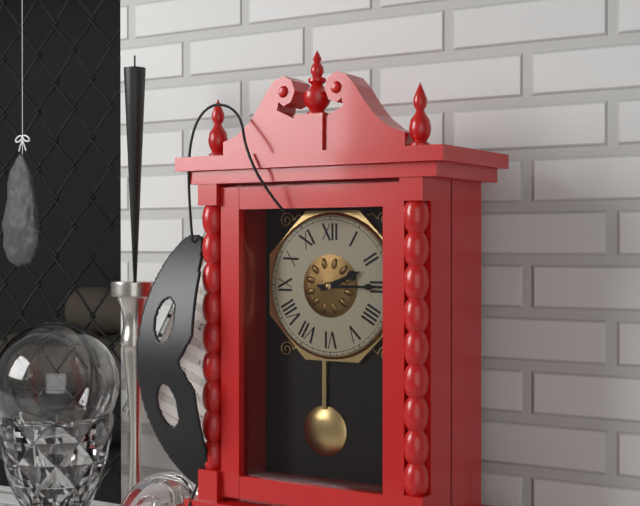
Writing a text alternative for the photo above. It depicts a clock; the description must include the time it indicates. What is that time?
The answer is 2:15
